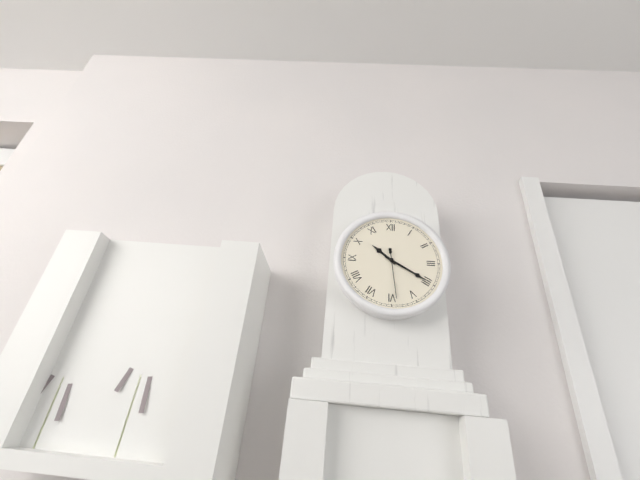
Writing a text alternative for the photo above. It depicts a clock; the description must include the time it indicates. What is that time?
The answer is 10:20
